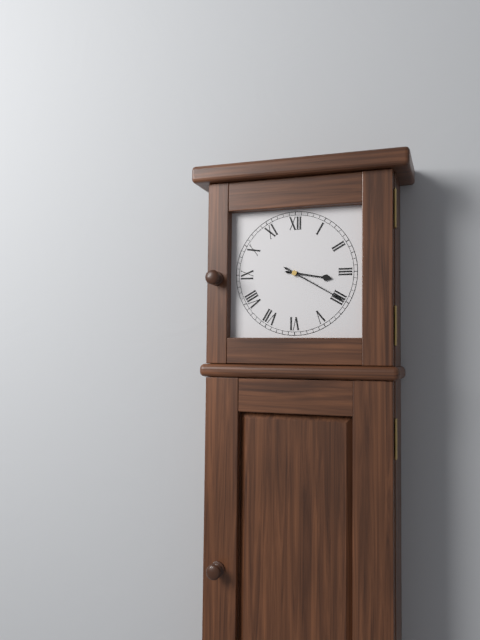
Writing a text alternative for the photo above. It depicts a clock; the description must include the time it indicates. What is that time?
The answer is 3:20
